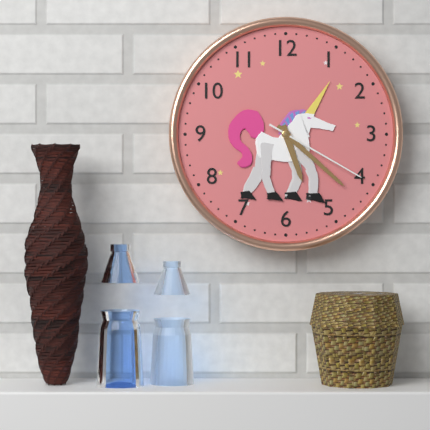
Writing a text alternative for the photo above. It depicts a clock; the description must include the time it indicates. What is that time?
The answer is 5:22:20
